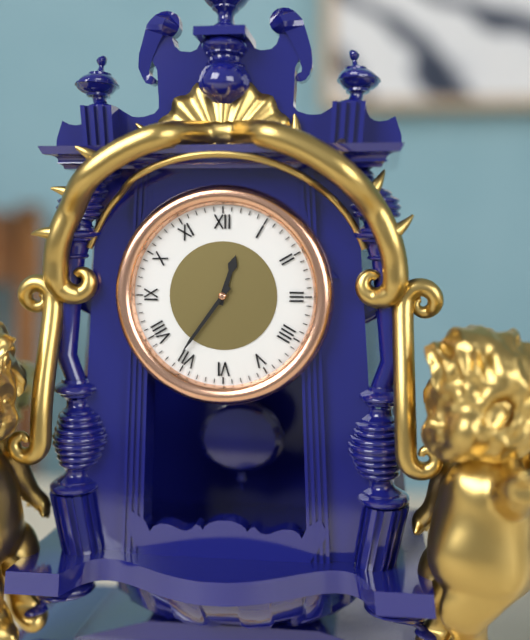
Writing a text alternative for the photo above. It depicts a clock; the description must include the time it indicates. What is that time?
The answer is 12:36
